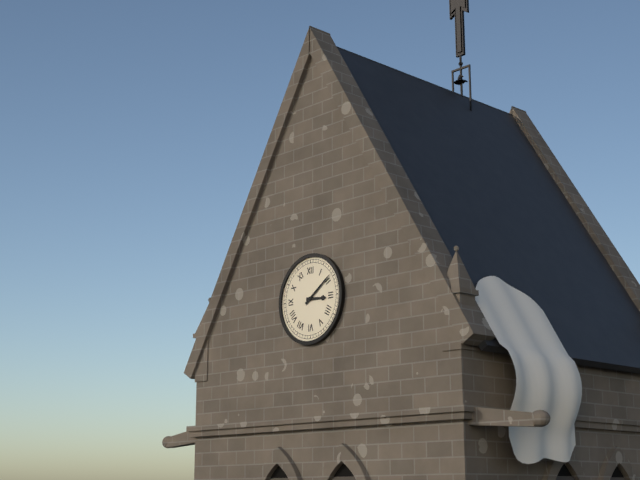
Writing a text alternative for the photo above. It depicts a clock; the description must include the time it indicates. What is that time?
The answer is 3:09
